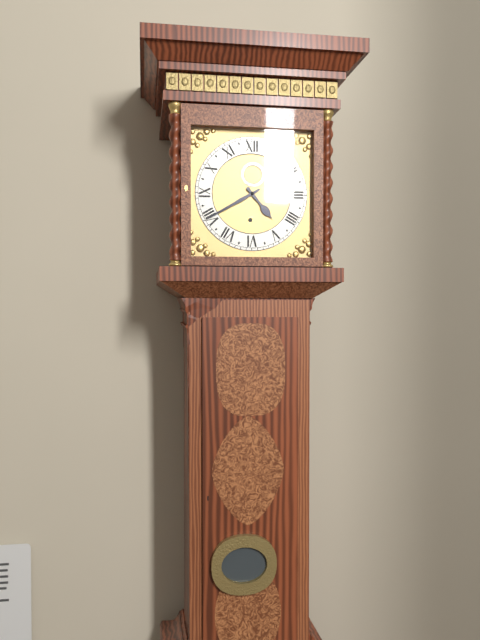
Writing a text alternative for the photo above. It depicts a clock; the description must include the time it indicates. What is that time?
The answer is 4:40
